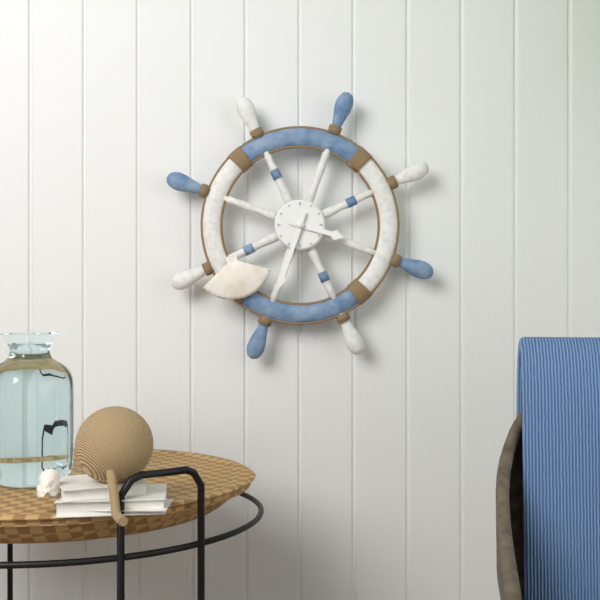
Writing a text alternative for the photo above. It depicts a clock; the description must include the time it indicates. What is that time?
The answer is 3:33
